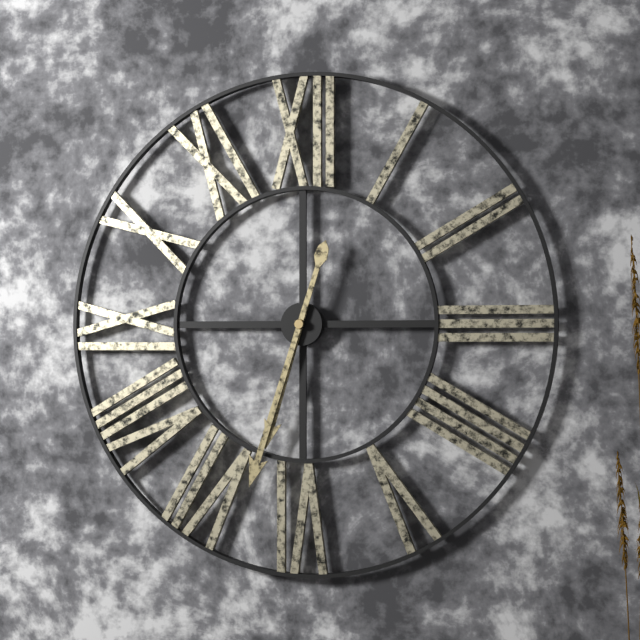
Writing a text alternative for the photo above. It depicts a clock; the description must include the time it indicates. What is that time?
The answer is 6:33
